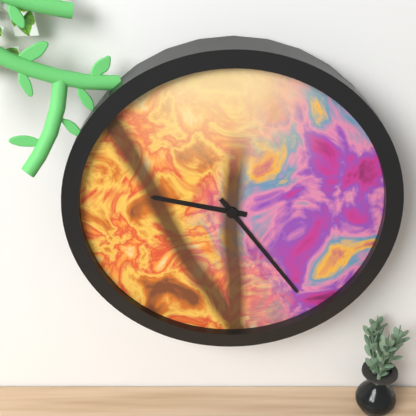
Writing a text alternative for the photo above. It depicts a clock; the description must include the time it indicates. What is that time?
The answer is 9:24
